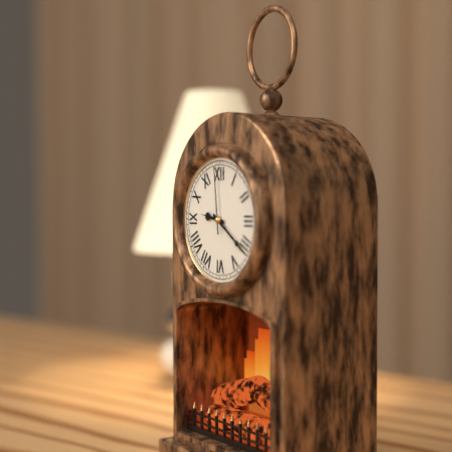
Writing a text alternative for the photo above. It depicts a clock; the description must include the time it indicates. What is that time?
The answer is 9:21:59
